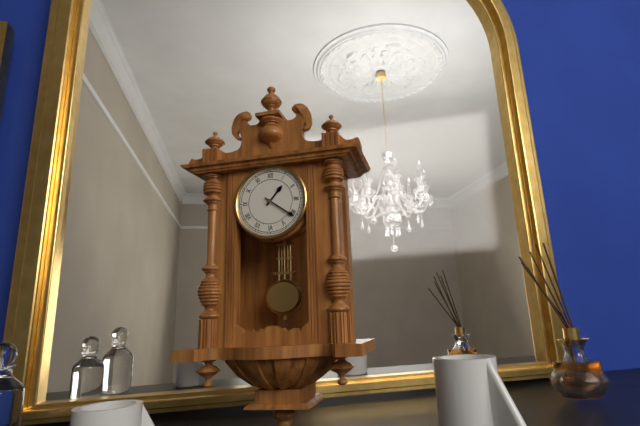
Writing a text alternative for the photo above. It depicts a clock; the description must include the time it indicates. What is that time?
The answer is 1:21
